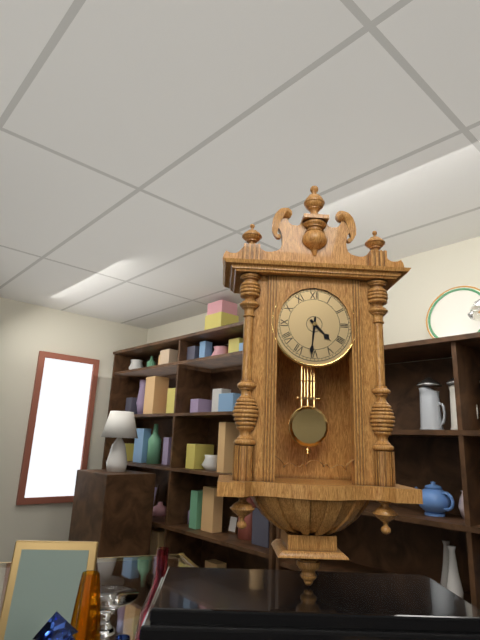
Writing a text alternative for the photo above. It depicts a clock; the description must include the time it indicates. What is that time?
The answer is 4:31
